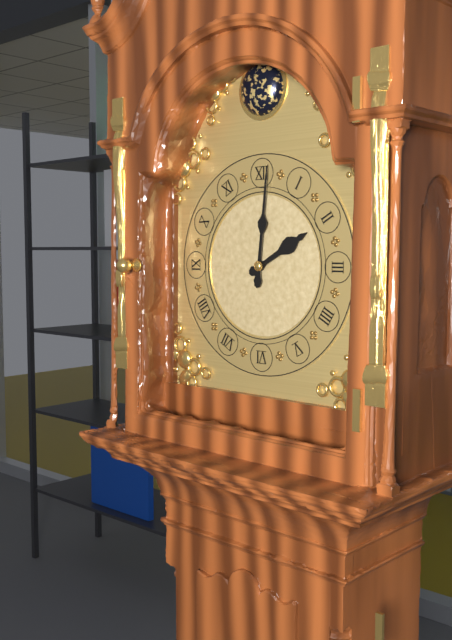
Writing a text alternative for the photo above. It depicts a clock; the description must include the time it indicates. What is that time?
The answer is 2:01
